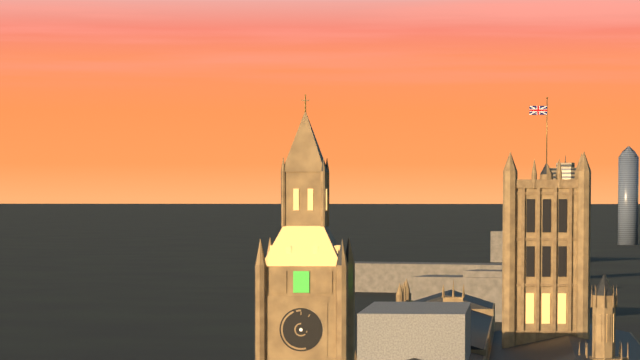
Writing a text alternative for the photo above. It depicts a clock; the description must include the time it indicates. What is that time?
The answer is 4:15
